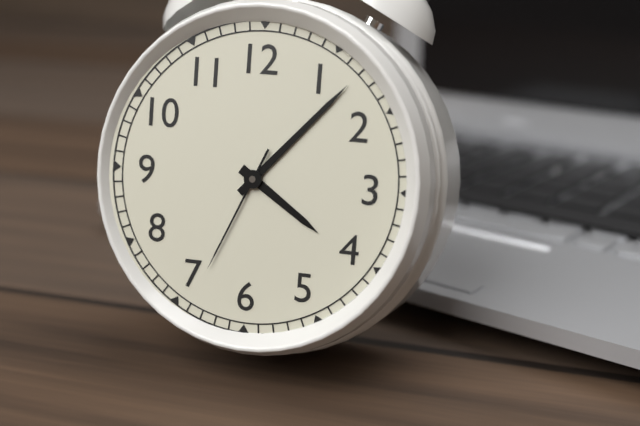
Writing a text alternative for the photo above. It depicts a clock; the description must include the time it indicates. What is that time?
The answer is 4:07:34
